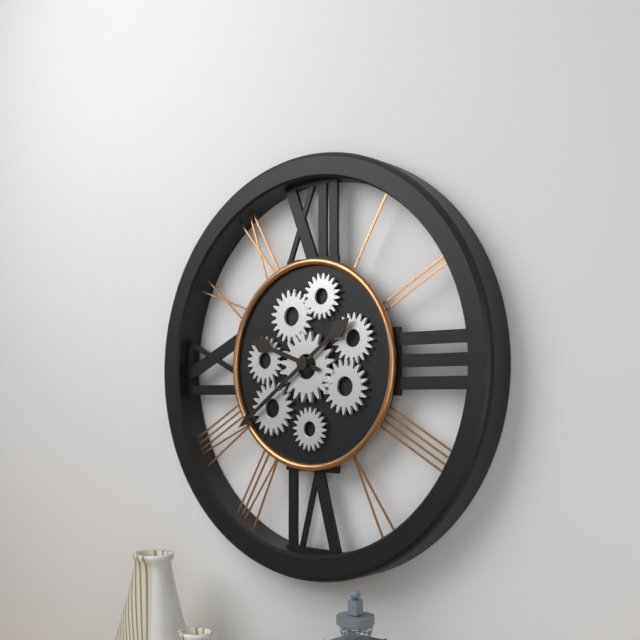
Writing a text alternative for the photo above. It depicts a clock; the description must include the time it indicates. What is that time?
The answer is 9:39
